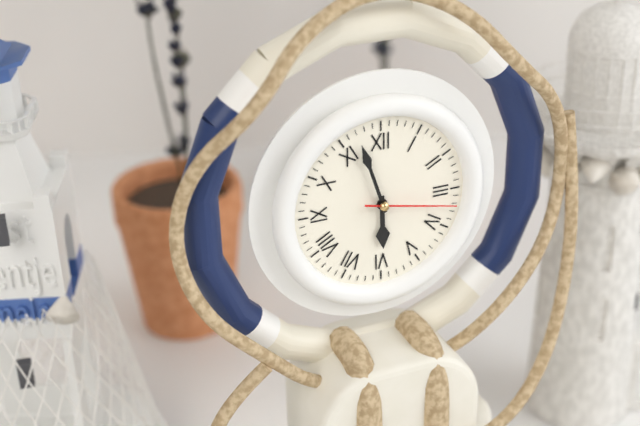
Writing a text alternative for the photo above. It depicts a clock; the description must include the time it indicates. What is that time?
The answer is 5:57:17
